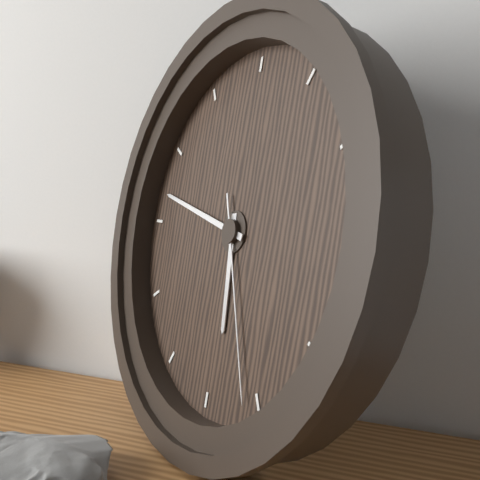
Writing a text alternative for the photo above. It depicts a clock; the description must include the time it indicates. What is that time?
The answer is 5:47:26
